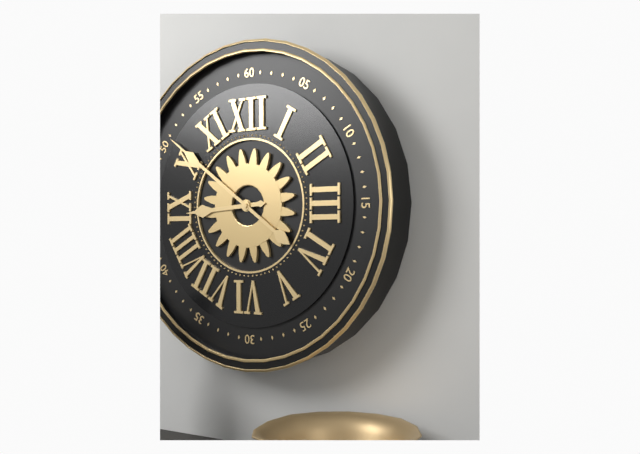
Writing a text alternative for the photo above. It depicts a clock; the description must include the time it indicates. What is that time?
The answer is 8:51
